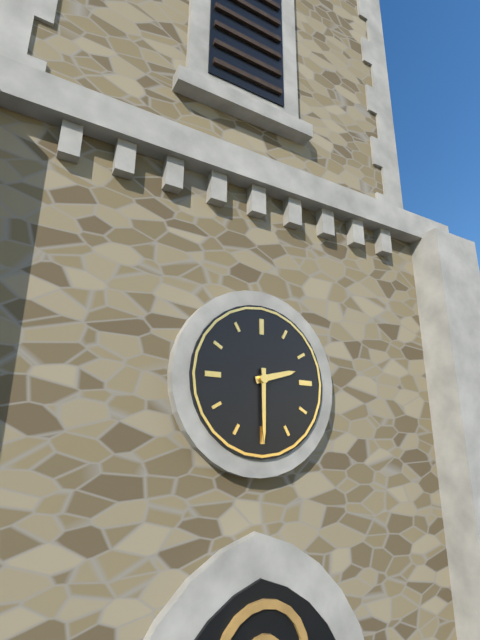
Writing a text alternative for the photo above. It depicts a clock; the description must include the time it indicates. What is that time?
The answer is 2:30
